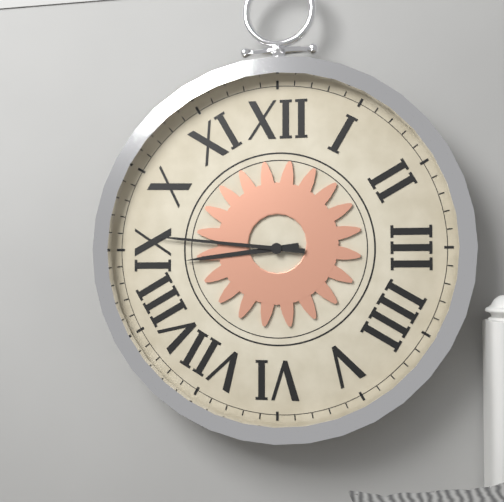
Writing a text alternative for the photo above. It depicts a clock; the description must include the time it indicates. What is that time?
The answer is 8:46
